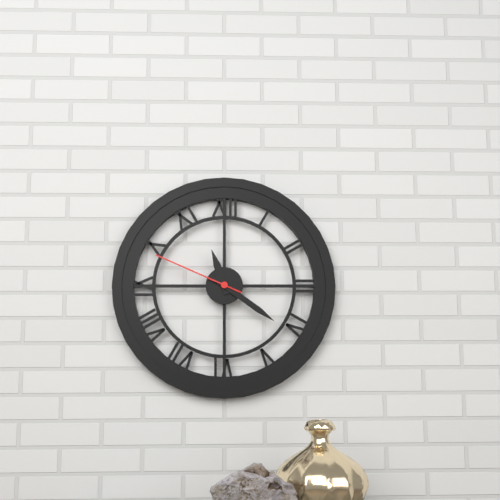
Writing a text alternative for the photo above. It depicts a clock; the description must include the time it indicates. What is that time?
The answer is 11:21:49
